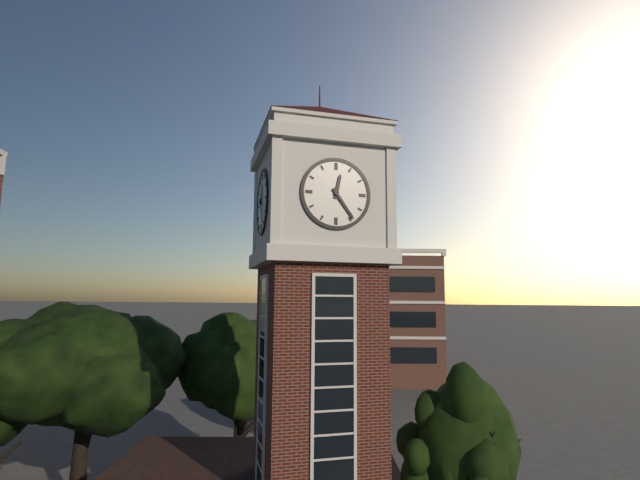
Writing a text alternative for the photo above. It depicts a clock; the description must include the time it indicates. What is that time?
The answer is 12:24
